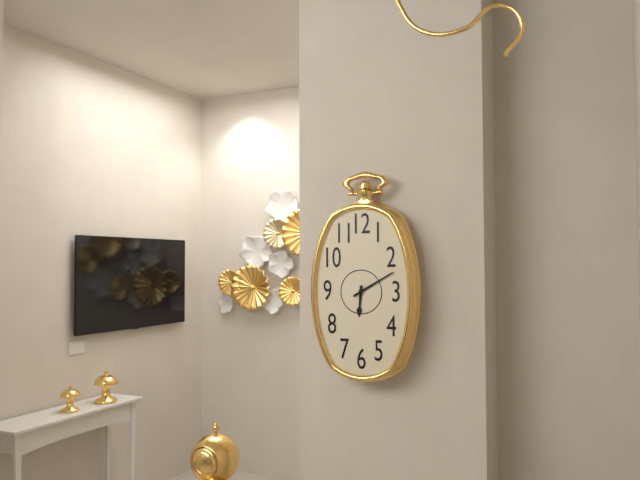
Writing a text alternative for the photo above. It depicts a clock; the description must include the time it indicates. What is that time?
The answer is 6:10
